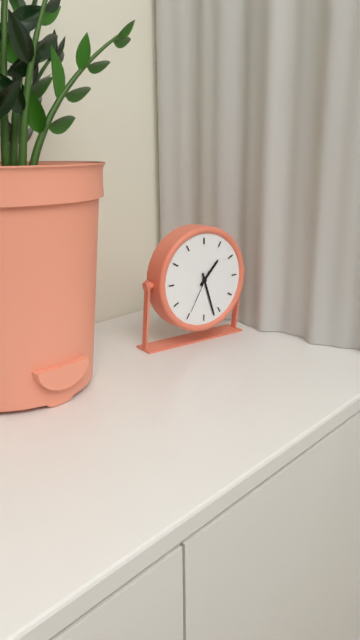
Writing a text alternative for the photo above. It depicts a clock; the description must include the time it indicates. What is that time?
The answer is 1:27
